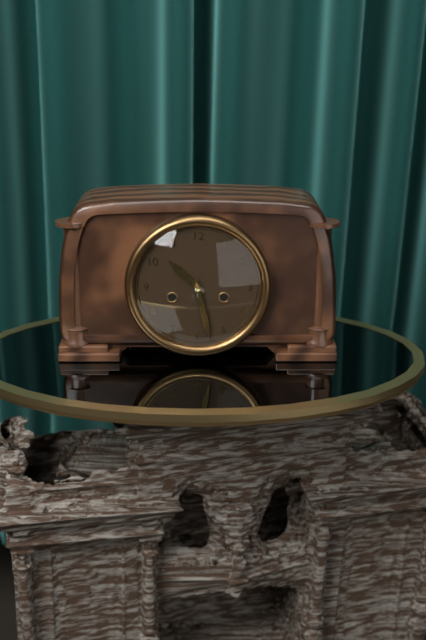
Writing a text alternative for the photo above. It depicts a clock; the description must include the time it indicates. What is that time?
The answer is 10:28
